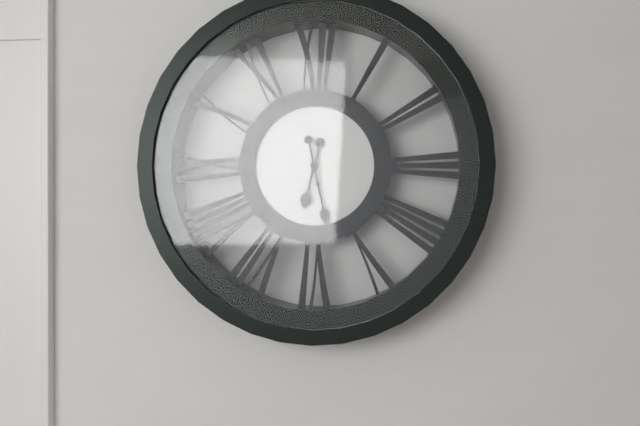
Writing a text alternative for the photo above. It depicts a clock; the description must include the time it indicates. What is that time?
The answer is 6:28
